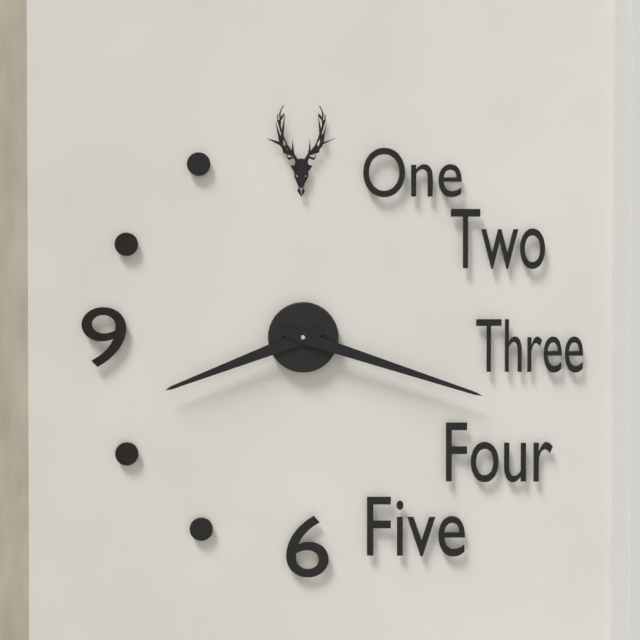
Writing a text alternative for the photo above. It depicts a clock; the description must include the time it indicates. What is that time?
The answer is 8:18
